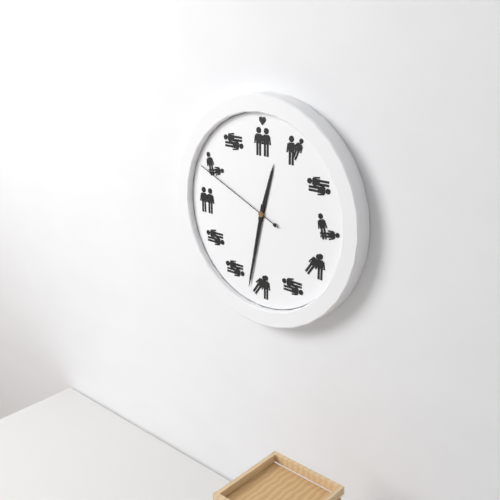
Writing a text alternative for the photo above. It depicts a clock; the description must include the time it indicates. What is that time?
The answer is 12:32:49
